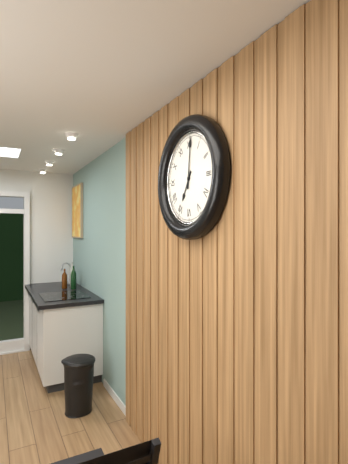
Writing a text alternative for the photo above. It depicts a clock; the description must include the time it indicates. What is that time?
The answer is 7:01
